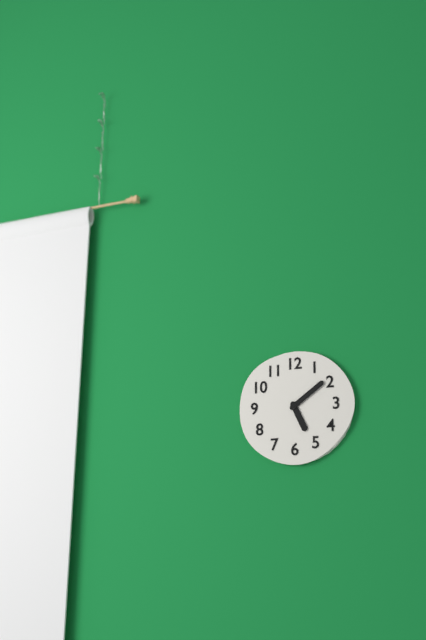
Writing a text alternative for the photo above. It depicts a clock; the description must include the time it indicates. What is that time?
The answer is 5:09
